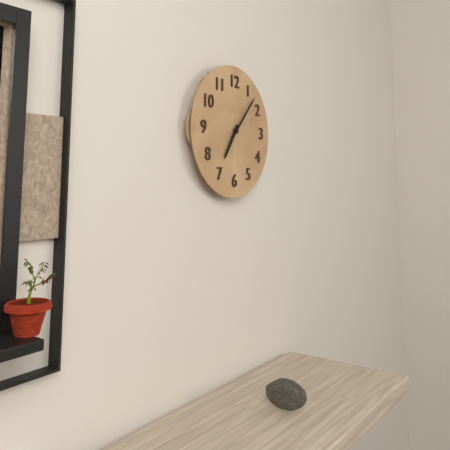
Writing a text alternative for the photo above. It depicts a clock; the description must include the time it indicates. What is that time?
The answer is 7:07
